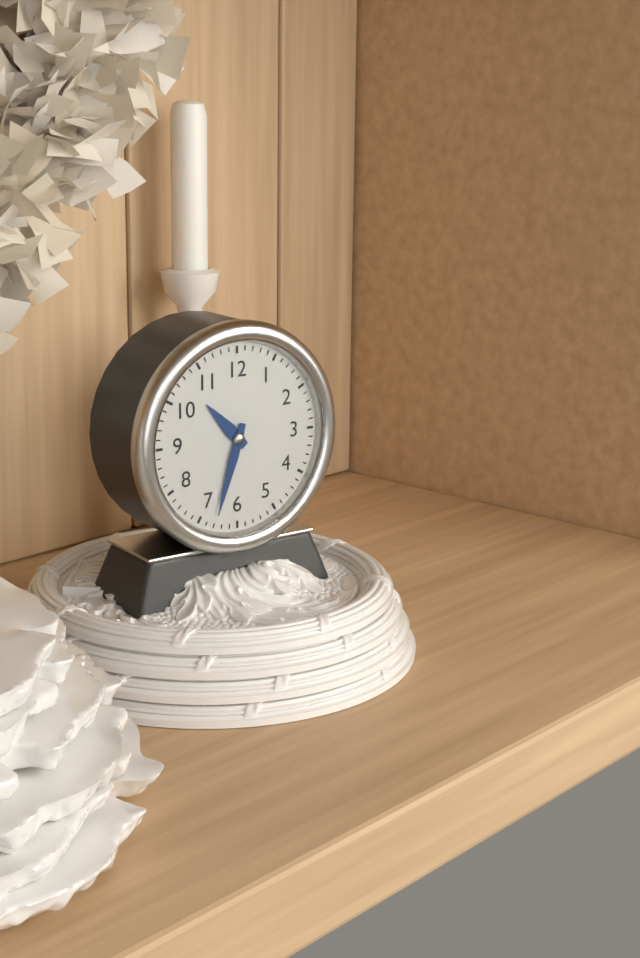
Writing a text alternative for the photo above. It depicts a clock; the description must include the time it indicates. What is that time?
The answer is 10:33
